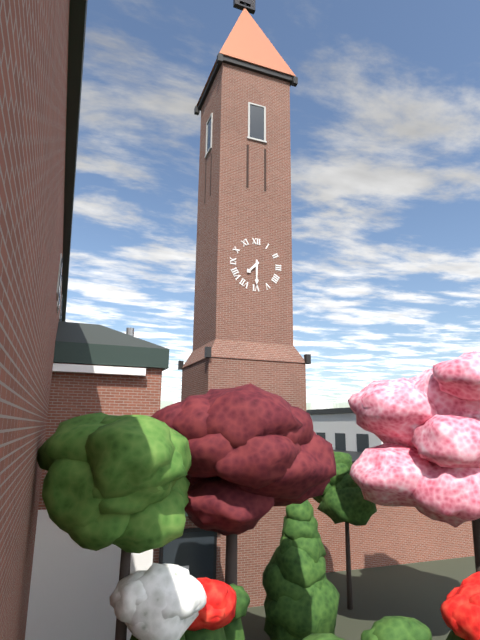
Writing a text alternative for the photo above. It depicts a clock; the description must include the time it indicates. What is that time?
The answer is 7:30
